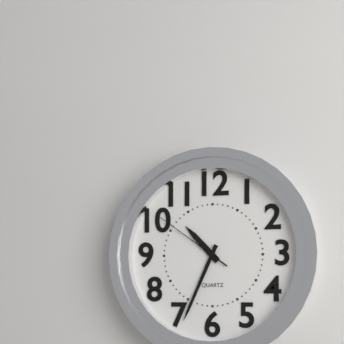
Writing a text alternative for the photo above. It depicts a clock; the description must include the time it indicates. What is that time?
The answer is 10:34:51
